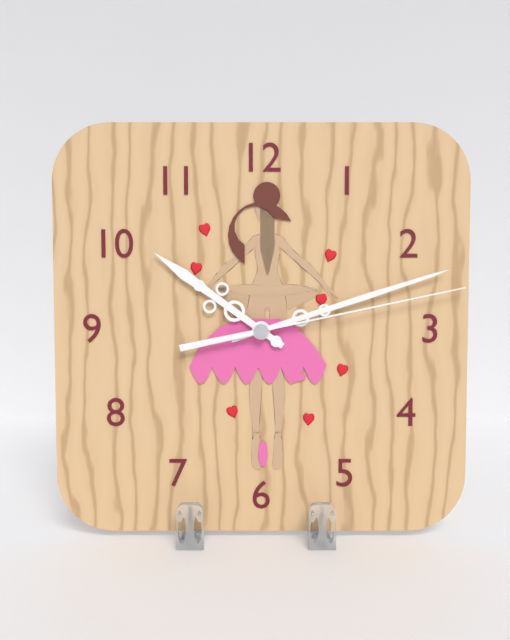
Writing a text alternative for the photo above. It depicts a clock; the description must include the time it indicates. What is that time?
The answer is 10:12:13
